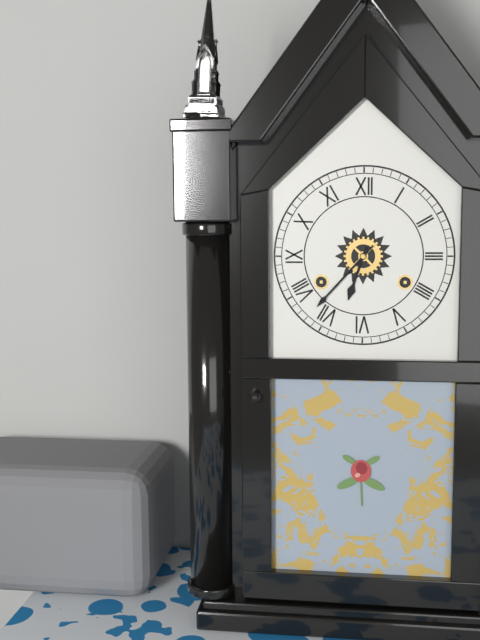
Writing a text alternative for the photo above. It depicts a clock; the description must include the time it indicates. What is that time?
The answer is 6:37
